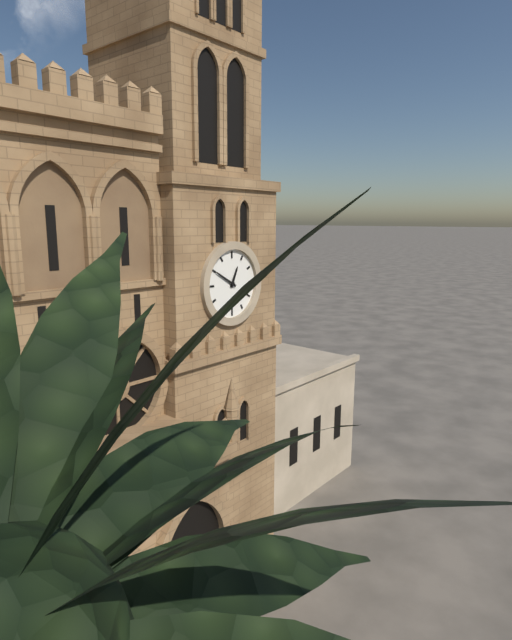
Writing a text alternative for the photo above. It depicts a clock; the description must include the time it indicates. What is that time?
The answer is 12:50
